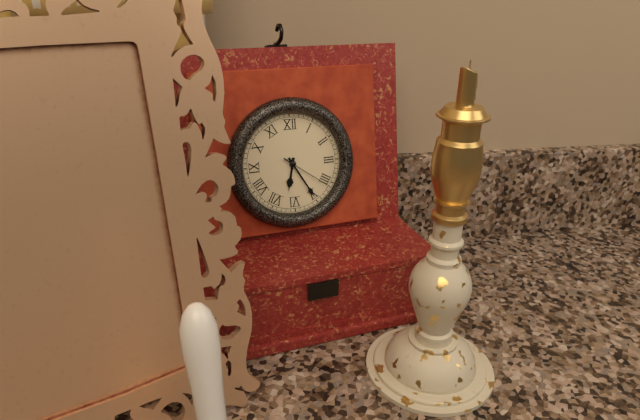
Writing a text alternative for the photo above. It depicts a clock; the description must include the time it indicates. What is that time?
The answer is 6:25:21
